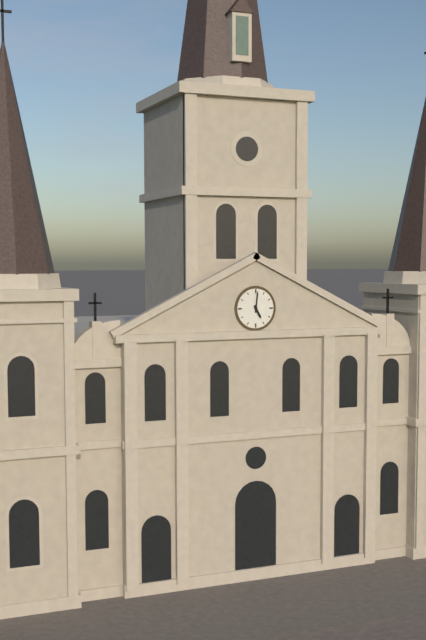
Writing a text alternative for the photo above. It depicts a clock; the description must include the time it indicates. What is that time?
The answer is 5:01
